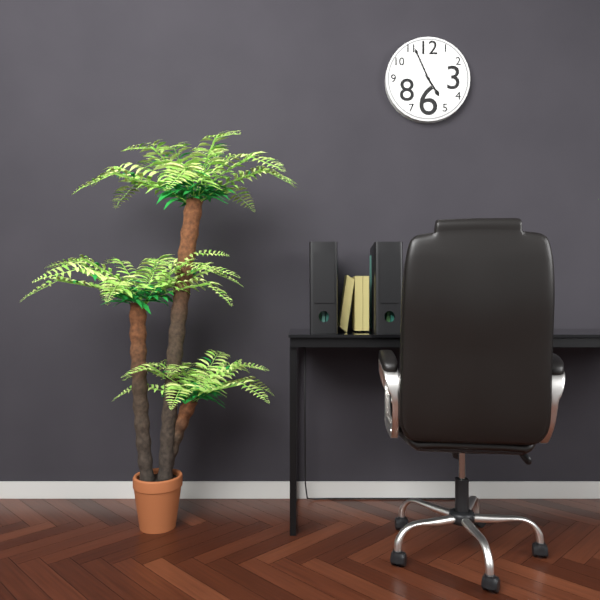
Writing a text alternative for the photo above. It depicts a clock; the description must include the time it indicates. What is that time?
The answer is 4:56
